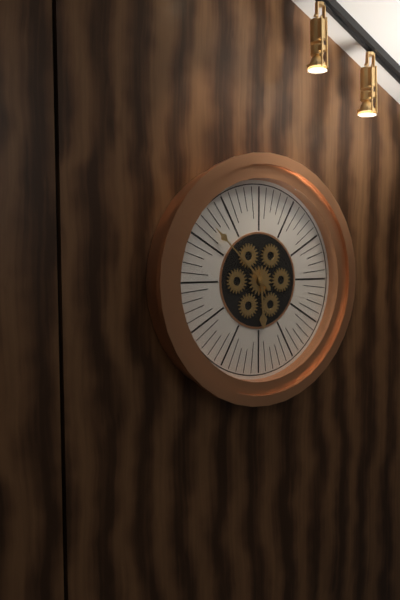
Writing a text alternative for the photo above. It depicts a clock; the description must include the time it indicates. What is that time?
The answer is 5:52
